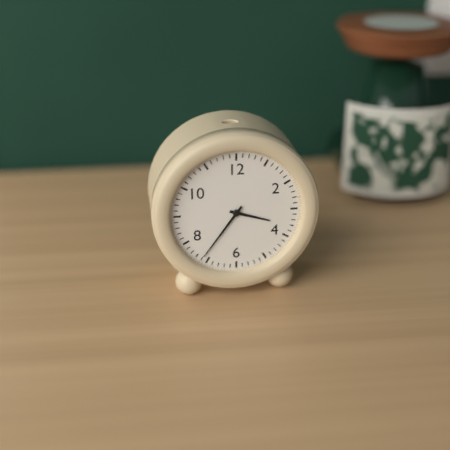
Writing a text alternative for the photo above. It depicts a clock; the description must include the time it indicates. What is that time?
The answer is 3:36
